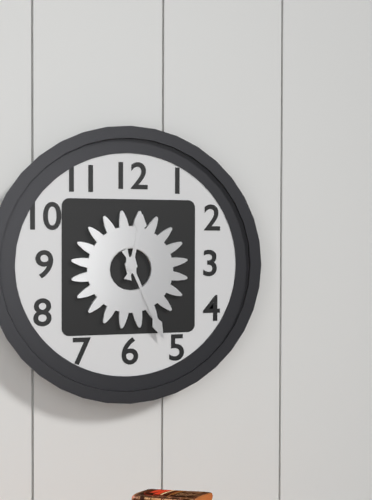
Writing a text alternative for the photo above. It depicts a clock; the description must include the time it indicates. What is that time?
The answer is 12:26
